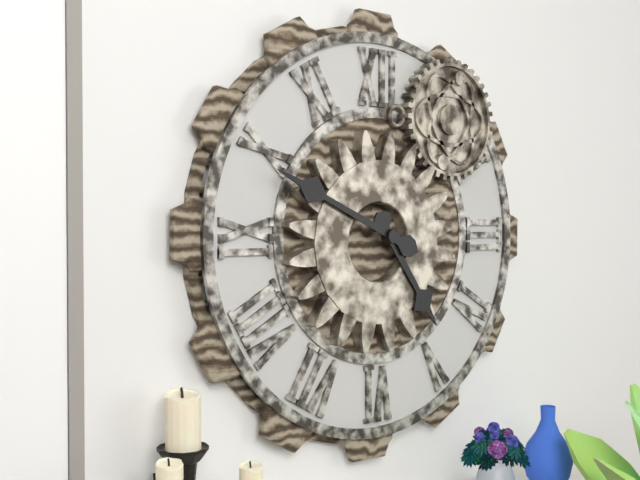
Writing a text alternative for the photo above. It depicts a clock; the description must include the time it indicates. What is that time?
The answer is 4:49
